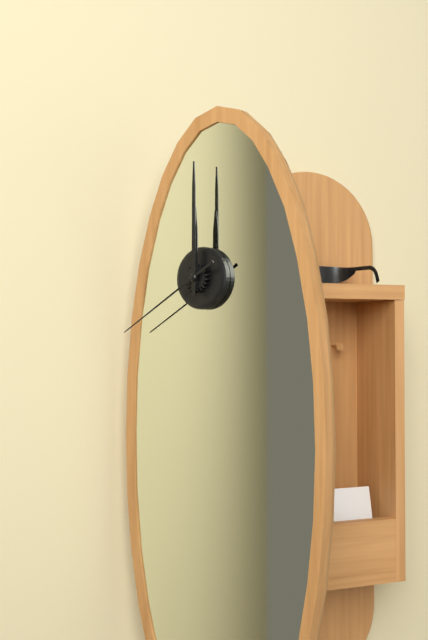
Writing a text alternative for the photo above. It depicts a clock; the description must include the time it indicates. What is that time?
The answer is 12:00:40
